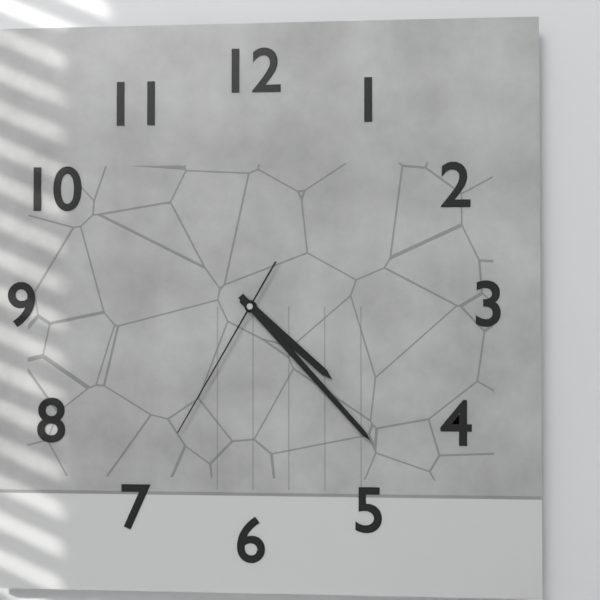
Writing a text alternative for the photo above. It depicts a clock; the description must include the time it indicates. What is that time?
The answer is 4:23:35
